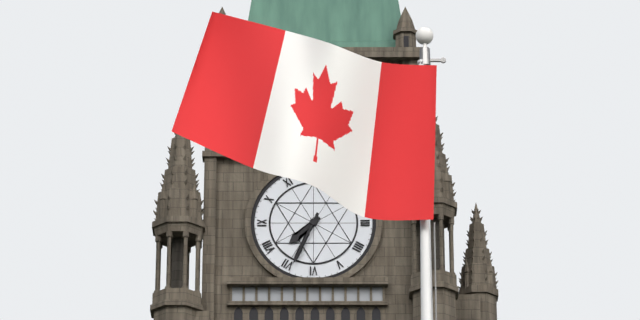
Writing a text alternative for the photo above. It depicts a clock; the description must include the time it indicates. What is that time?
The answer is 7:34
